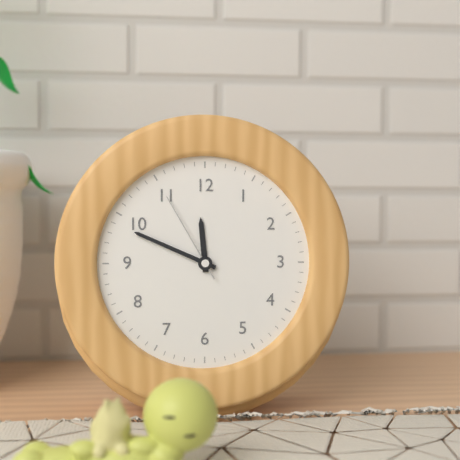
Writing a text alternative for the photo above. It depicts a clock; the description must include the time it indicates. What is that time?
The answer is 11:49:55
